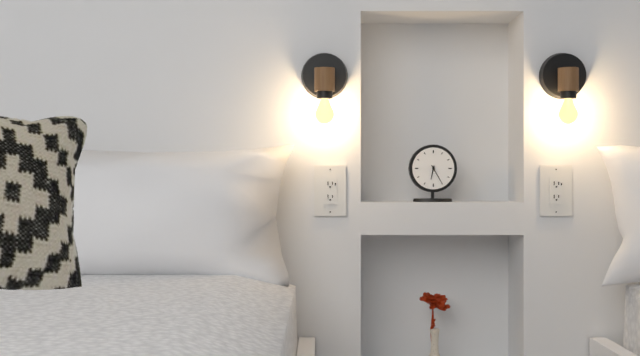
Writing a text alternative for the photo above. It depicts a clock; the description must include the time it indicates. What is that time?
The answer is 6:25
